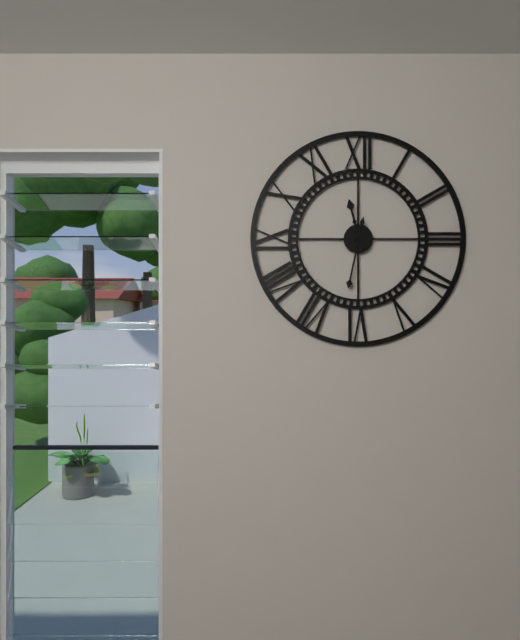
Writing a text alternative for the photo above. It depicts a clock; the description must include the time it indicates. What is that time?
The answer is 11:32
